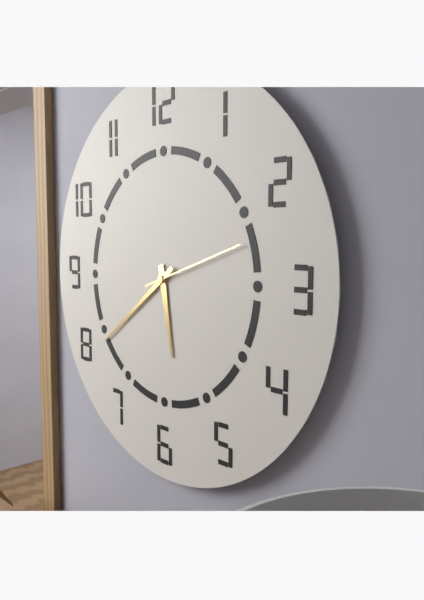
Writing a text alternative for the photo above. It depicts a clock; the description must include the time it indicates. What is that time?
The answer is 5:39:12
